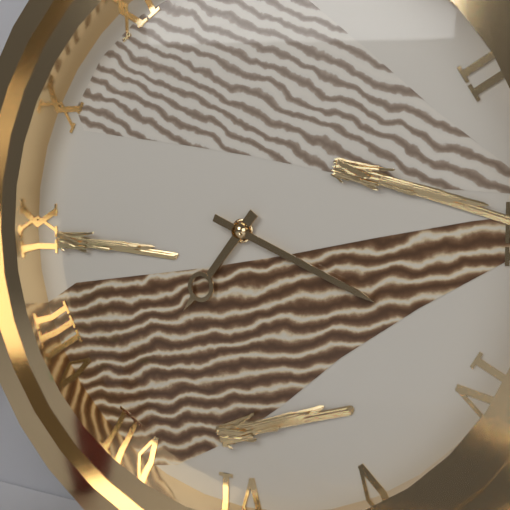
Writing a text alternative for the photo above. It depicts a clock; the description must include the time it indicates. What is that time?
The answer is 7:19
